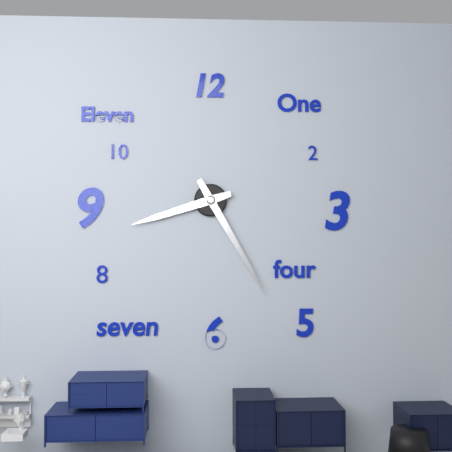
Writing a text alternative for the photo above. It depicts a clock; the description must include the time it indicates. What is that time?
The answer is 8:25
